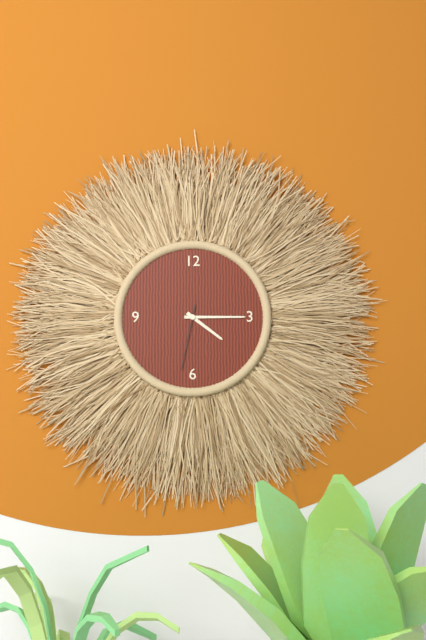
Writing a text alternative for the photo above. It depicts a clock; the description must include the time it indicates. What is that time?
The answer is 4:15:32
